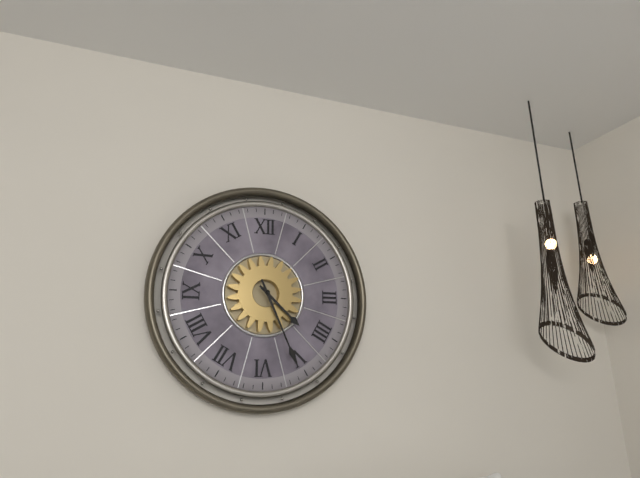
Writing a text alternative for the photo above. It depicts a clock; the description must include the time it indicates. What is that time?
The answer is 4:26
